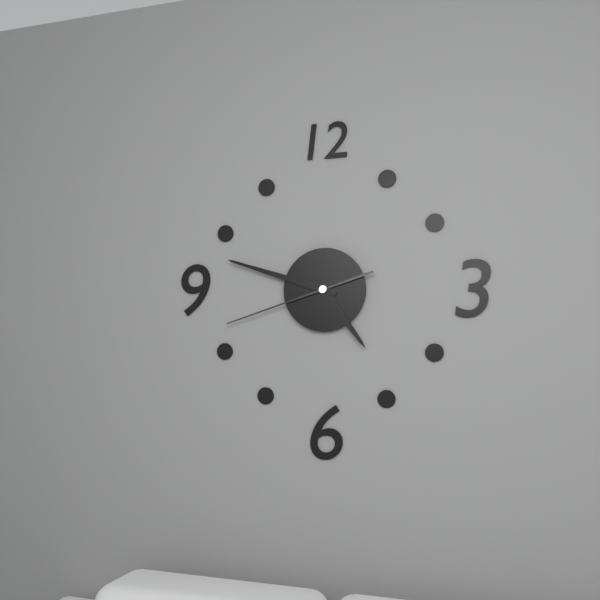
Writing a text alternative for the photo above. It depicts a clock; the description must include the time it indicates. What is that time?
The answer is 4:48:42
